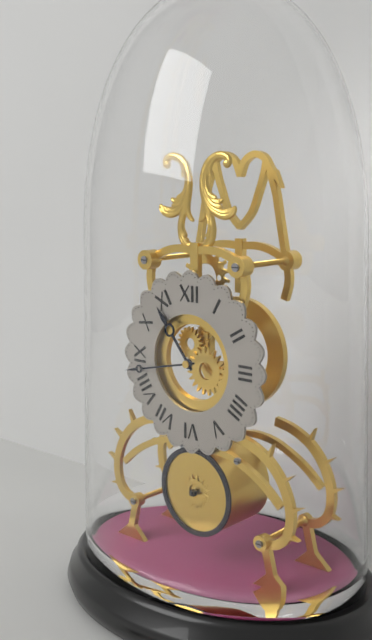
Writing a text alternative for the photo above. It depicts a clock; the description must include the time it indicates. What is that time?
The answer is 10:43
